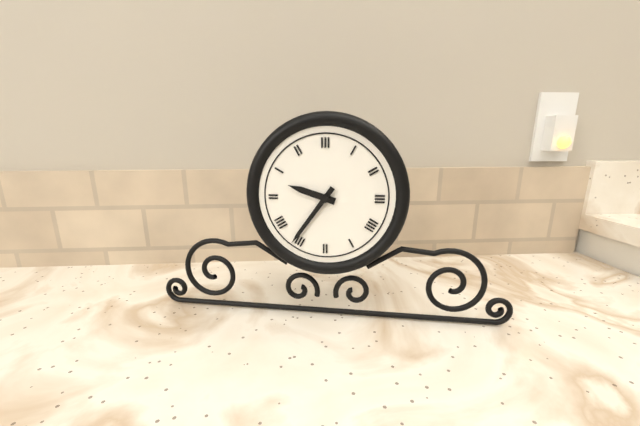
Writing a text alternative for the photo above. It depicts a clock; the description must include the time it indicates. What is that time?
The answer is 9:36
